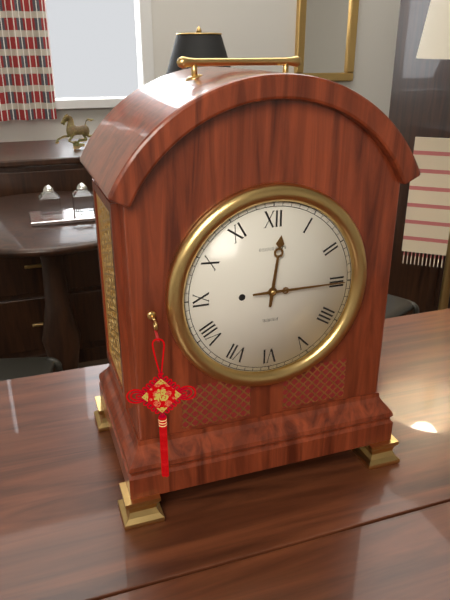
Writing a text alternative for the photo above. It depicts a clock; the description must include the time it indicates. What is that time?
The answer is 12:15
